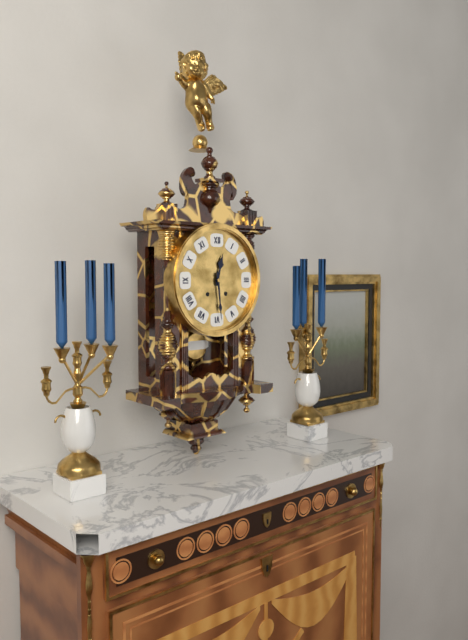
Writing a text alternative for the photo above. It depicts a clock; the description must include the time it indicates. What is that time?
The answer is 12:29
